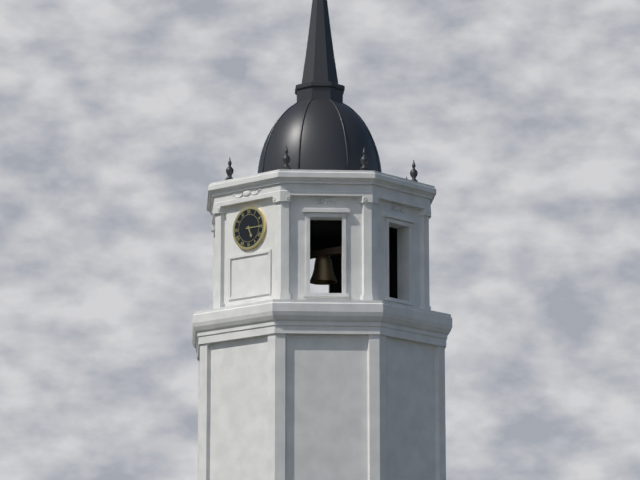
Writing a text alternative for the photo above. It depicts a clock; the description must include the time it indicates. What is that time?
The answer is 5:15
